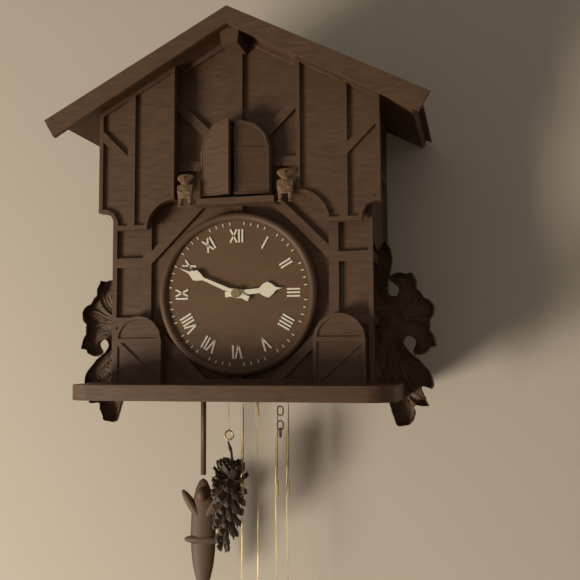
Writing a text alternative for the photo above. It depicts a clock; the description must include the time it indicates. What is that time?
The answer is 2:49
